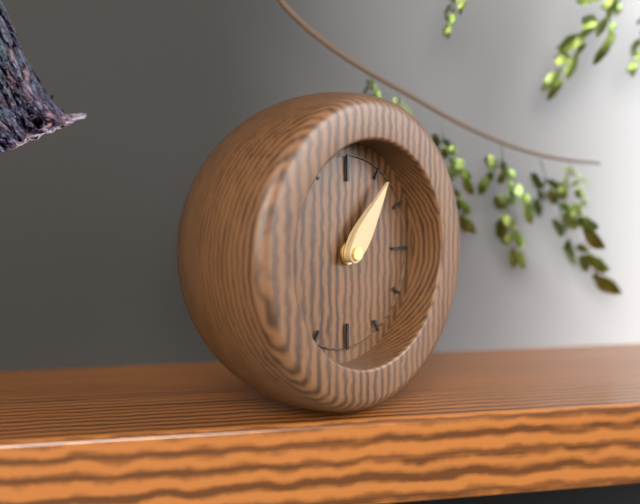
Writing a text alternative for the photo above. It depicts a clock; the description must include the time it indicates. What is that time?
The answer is 1:06
